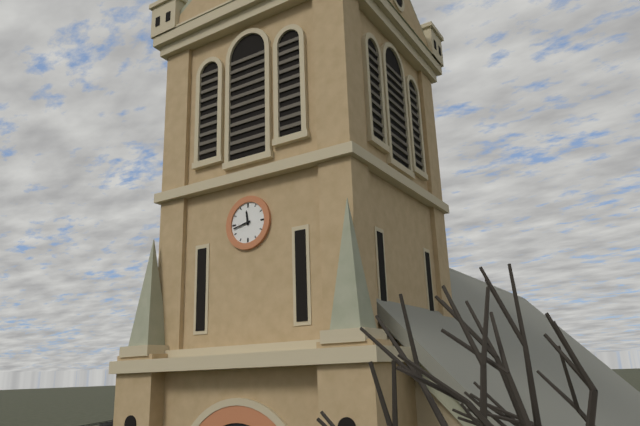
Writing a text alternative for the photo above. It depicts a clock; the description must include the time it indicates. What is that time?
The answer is 11:43
